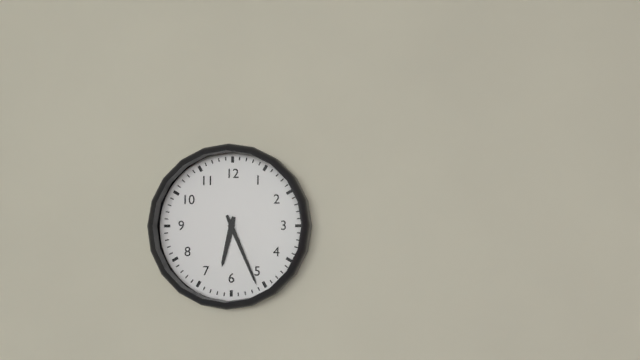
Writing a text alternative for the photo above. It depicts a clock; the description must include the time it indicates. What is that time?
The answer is 6:26
